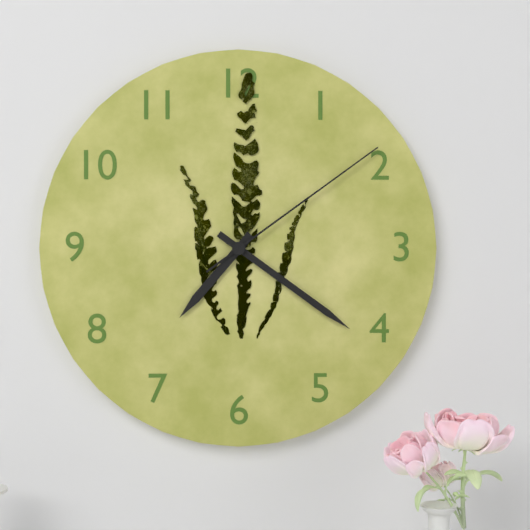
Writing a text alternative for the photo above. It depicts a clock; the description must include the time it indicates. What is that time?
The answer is 7:21:09
